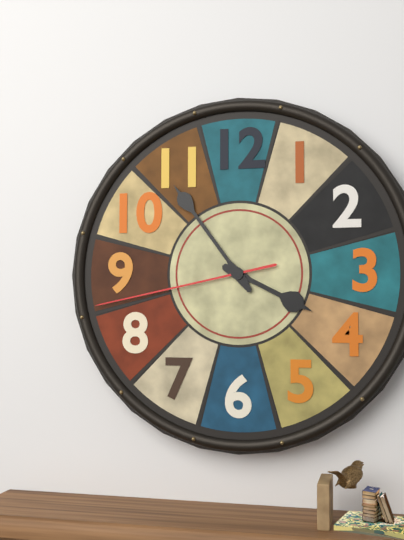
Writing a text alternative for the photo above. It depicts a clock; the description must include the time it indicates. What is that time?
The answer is 3:54:43
